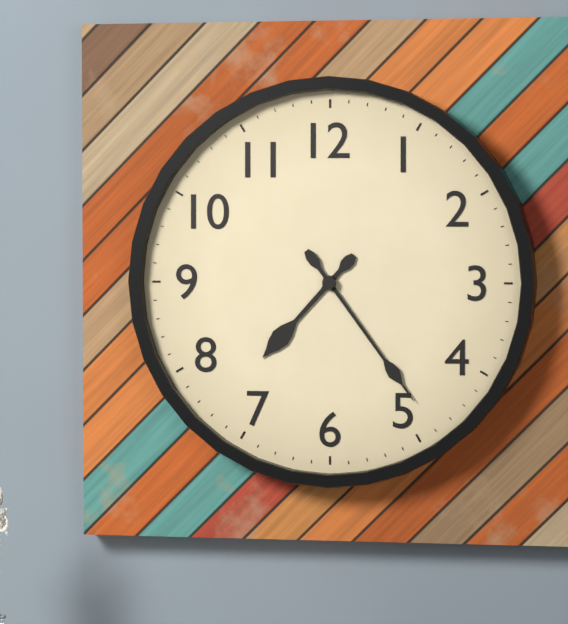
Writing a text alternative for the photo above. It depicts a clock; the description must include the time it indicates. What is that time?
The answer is 7:24
